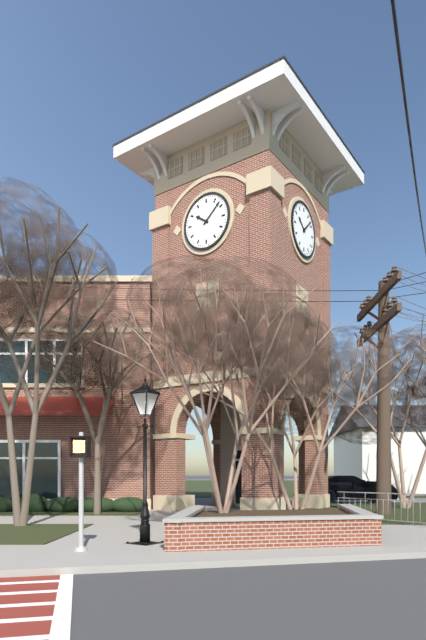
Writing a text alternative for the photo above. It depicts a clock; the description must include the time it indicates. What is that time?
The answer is 10:08
